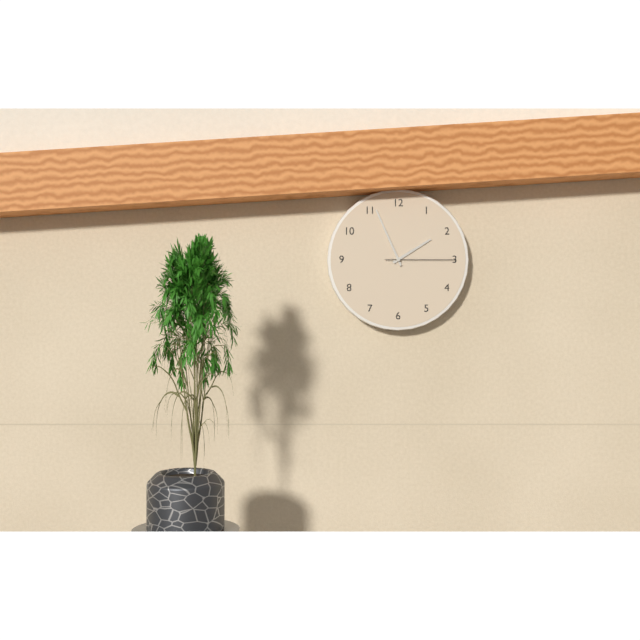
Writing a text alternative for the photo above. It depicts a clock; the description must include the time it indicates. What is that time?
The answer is 1:56:15
